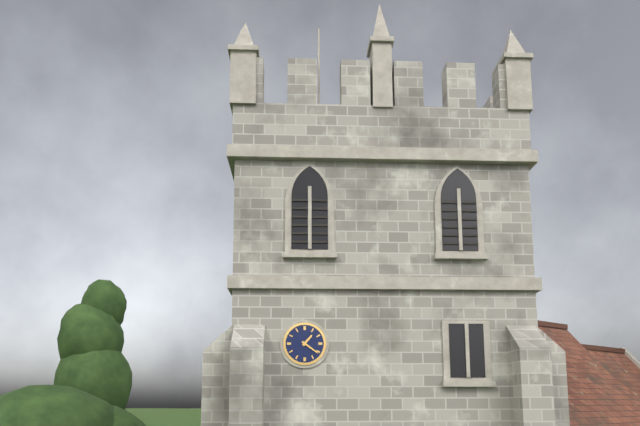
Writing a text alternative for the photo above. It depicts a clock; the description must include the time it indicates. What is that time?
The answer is 1:21
